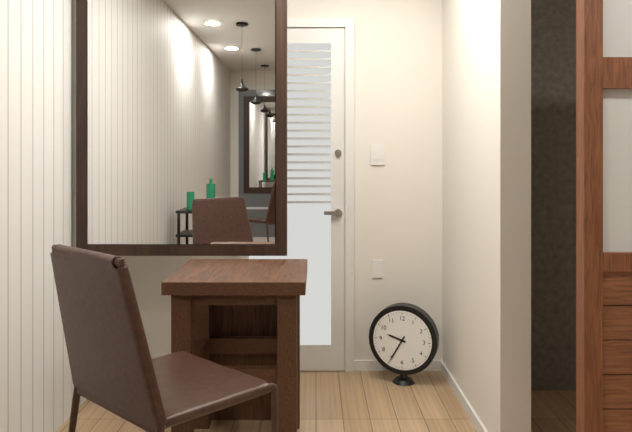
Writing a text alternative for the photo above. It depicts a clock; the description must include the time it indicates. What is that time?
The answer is 9:35
